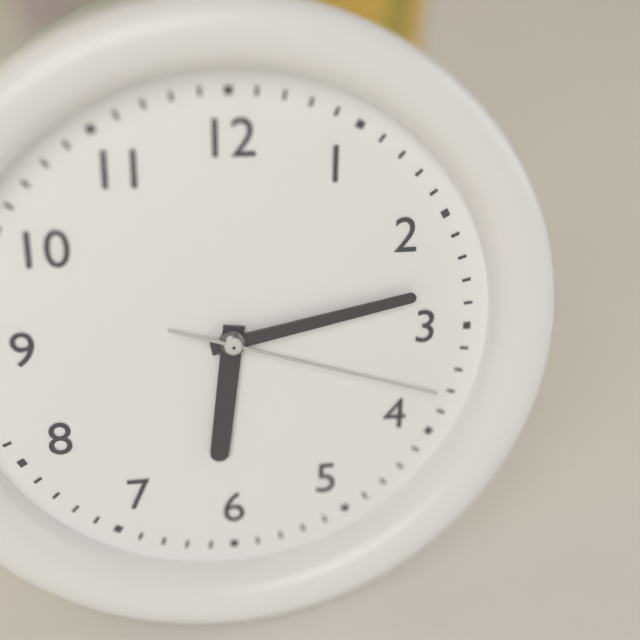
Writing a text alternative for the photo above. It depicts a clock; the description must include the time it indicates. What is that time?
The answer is 6:13:18
